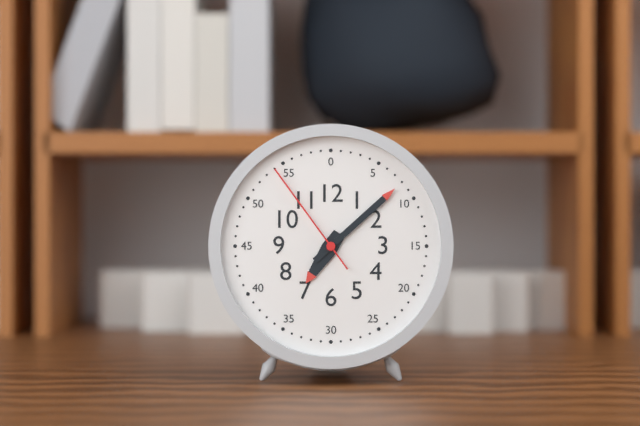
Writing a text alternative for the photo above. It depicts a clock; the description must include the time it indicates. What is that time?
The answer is 7:08:54
